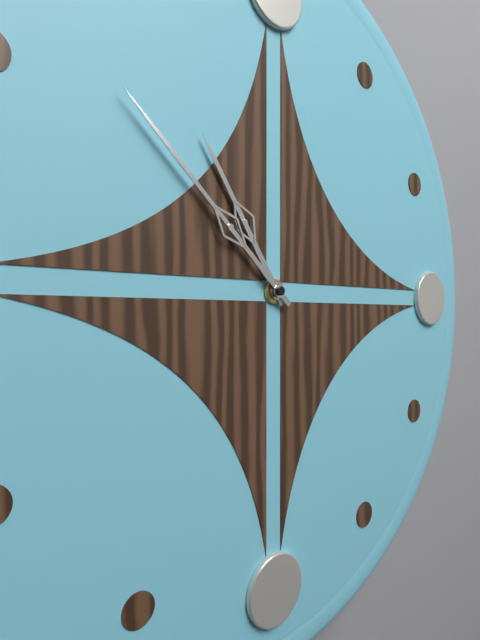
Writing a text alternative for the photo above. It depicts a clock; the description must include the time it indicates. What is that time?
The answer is 10:52
